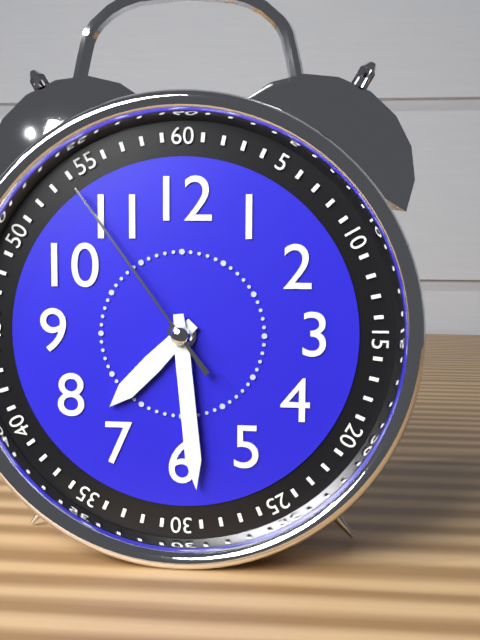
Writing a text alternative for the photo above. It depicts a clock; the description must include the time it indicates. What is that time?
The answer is 7:29:54
